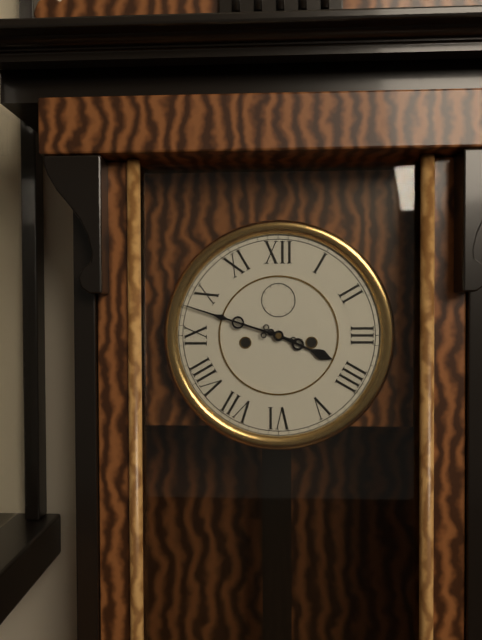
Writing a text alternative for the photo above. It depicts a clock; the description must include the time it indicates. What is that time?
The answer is 3:48
